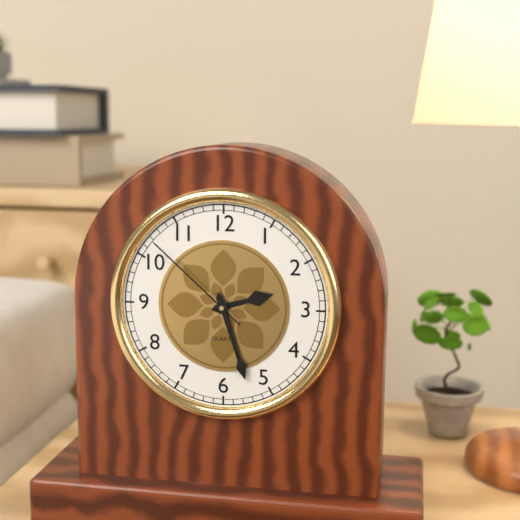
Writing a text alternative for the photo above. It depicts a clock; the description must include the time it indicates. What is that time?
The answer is 2:27:52
